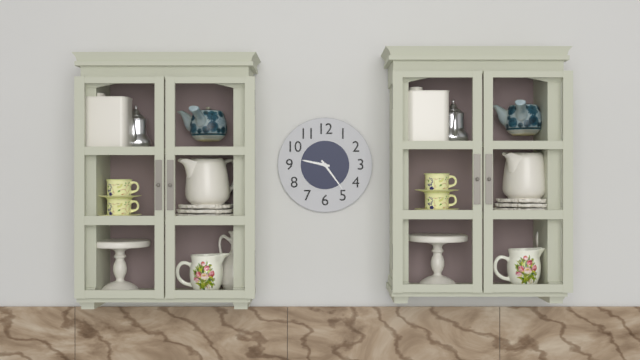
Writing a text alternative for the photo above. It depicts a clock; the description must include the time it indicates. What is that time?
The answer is 9:24
